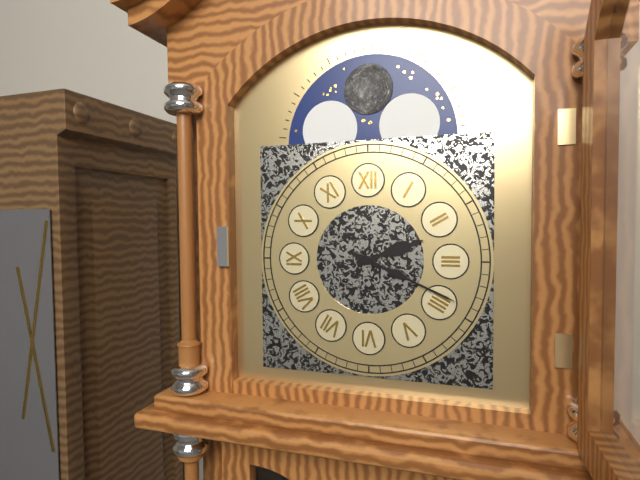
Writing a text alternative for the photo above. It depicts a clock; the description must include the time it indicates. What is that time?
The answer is 2:19
